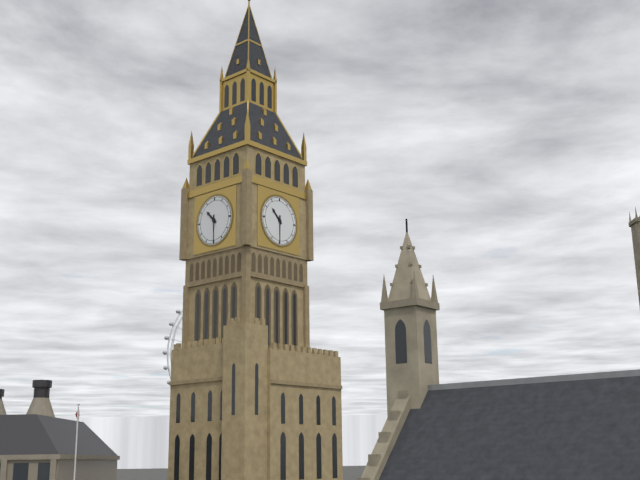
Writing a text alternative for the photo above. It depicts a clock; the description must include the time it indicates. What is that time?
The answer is 10:30
